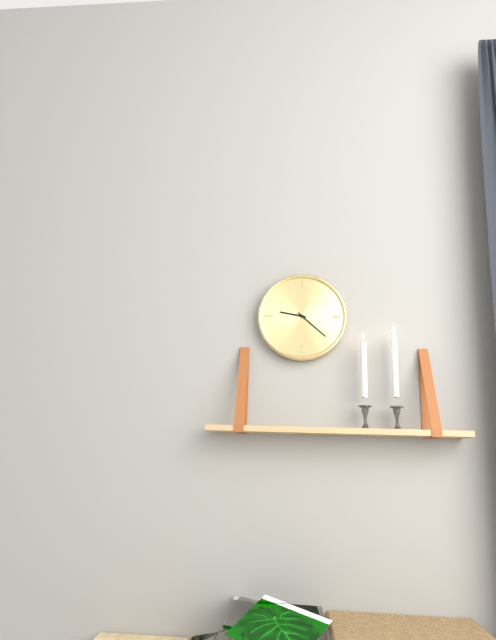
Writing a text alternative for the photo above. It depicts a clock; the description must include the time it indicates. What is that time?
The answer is 9:22
